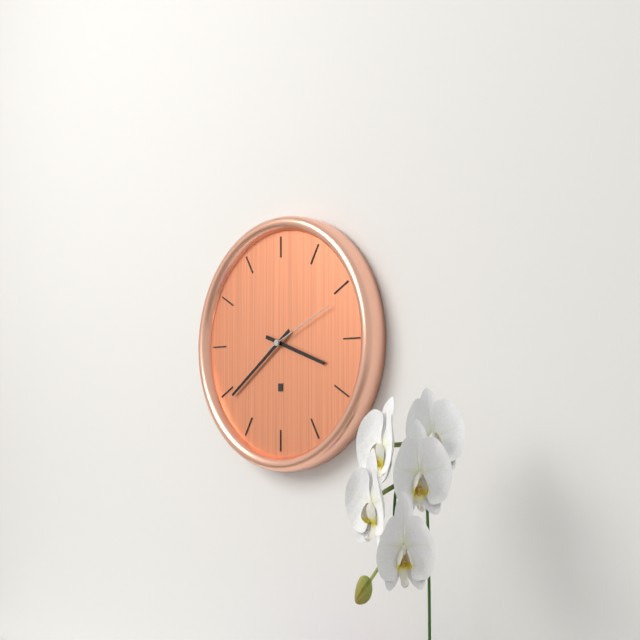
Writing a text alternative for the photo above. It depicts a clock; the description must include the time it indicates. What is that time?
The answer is 3:39:11
